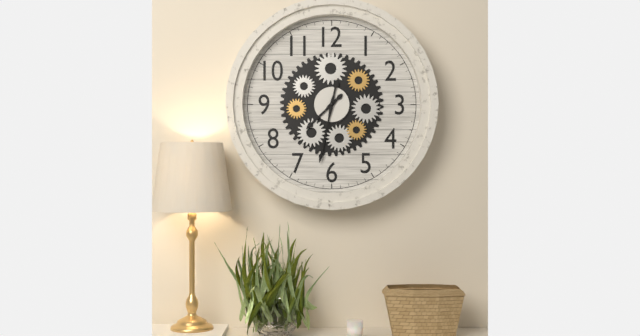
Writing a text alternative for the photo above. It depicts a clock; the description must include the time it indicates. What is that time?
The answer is 7:32
